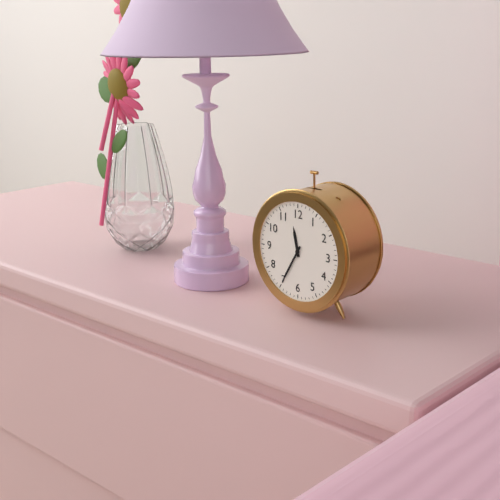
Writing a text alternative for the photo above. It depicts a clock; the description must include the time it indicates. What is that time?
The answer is 11:35
